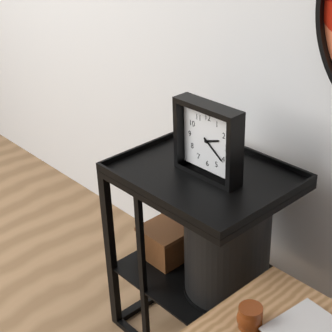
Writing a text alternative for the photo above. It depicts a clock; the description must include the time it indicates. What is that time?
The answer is 2:21
